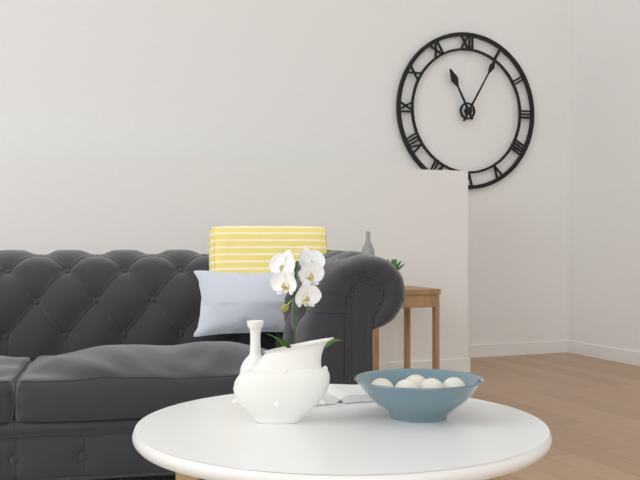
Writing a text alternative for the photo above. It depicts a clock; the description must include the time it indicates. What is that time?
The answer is 11:05
